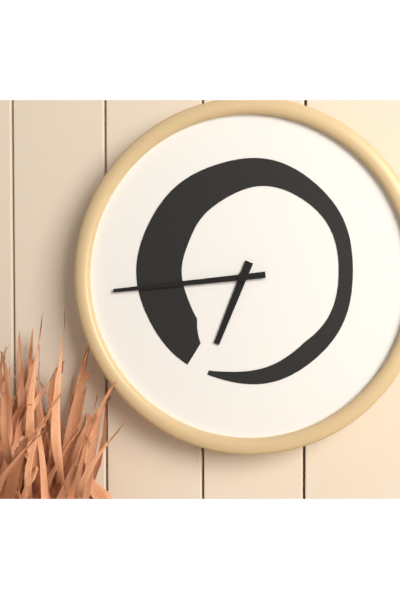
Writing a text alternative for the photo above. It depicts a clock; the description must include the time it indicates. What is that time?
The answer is 6:44
